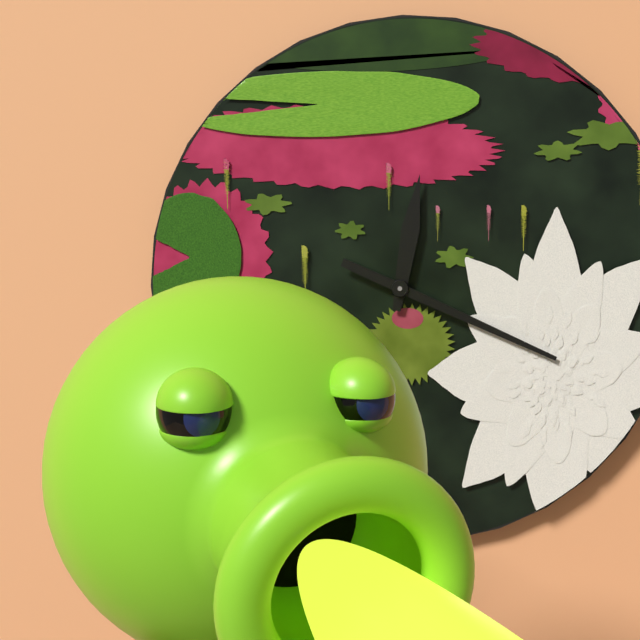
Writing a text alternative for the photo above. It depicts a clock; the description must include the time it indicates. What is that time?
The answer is 12:19
